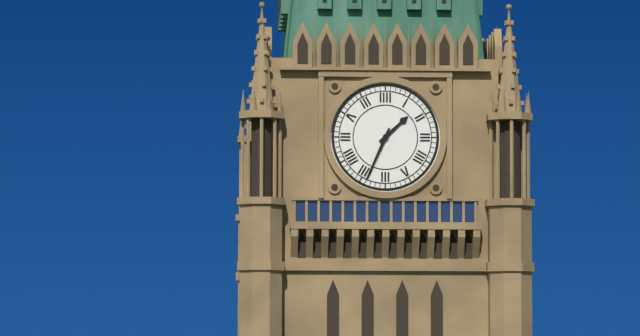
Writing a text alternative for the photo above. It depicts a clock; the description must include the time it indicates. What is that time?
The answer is 1:34
